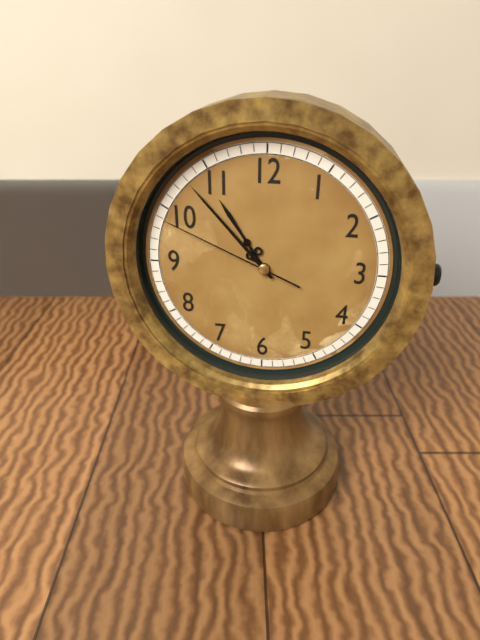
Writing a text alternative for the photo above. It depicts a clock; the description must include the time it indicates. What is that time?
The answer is 10:53:49
